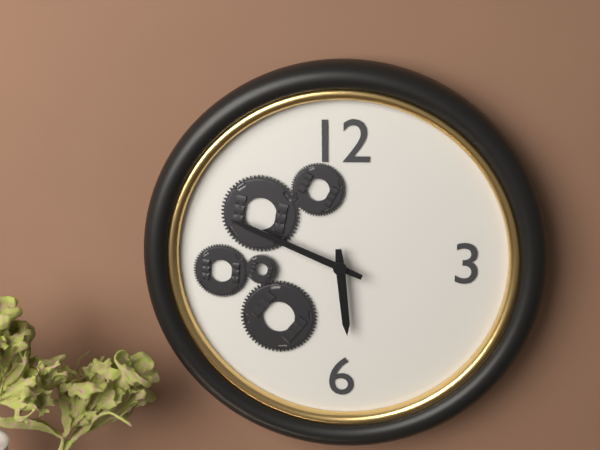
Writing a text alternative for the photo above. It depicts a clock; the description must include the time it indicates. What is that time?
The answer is 5:49
